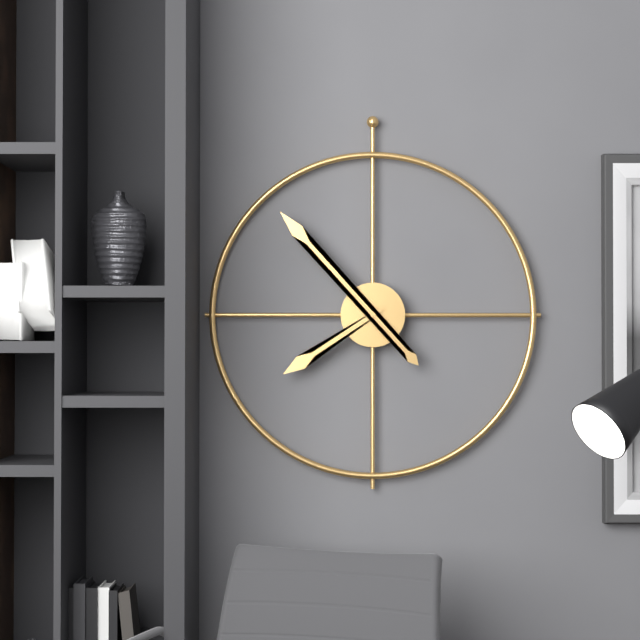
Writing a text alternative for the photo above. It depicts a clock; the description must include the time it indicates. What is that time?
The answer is 7:53
